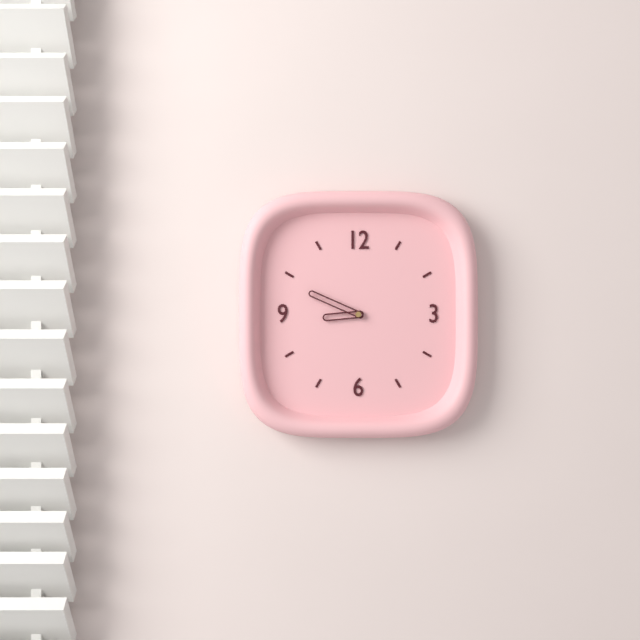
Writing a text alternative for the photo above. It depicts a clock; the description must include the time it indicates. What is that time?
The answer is 8:49
